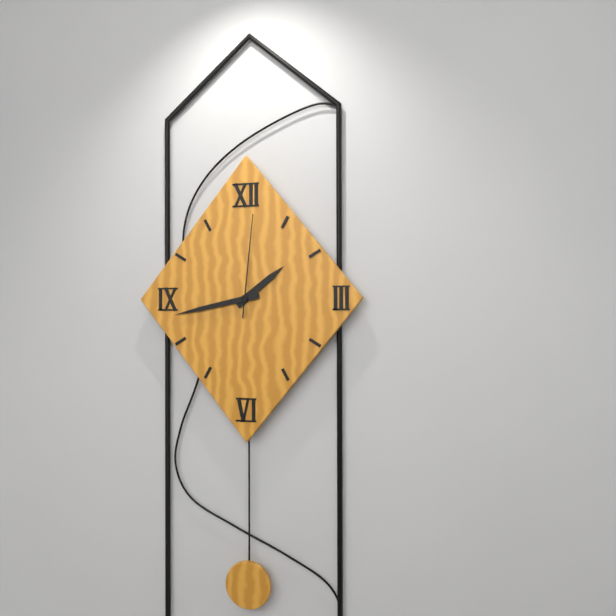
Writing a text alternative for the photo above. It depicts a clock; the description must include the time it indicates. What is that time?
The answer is 1:43:01
